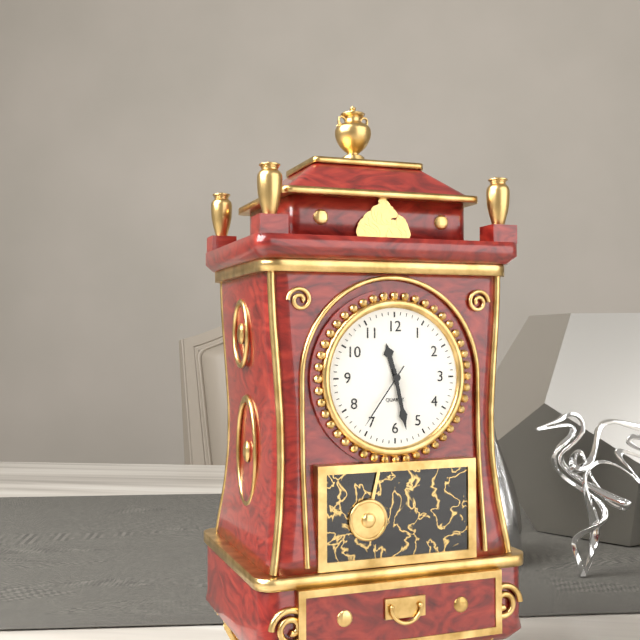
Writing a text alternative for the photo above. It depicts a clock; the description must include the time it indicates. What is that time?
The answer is 11:28:36
